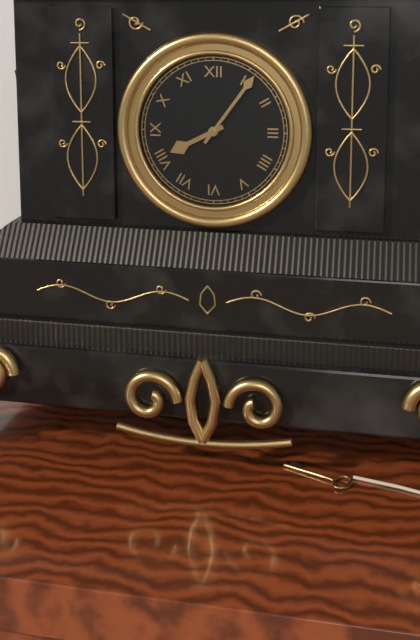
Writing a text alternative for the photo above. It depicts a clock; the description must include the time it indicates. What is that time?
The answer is 8:06
